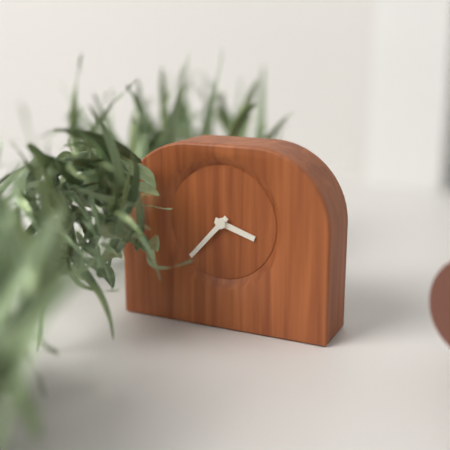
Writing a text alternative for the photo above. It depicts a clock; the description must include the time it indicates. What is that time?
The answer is 3:37
